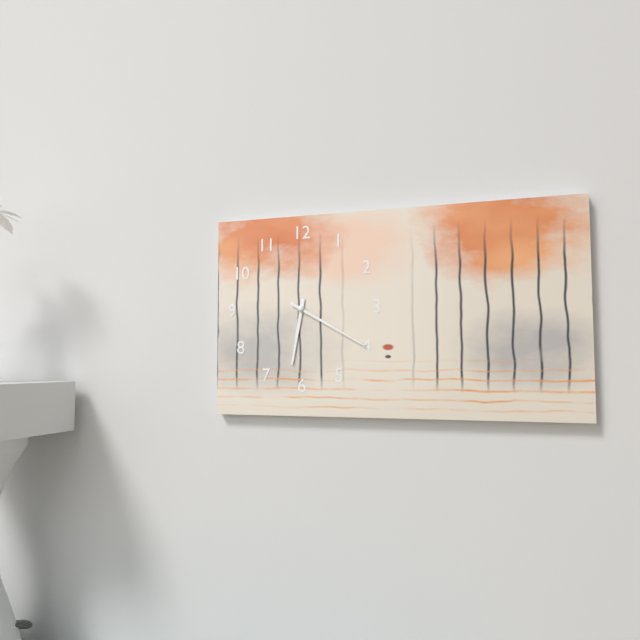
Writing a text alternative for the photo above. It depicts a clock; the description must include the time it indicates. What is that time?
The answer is 6:20
